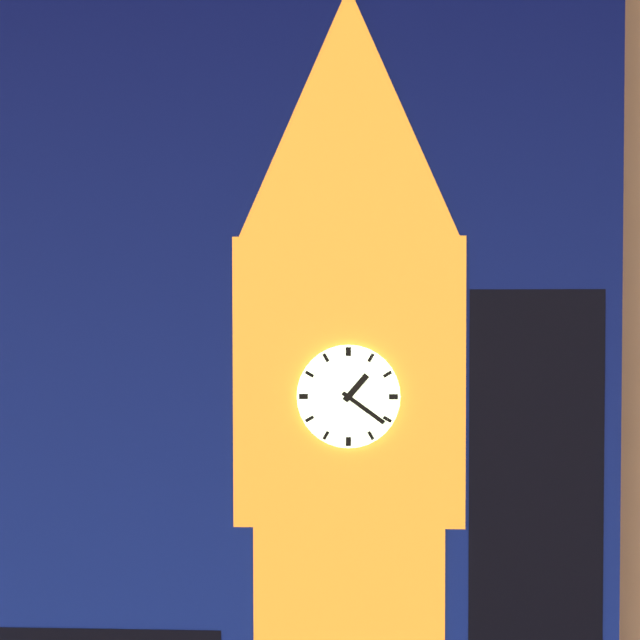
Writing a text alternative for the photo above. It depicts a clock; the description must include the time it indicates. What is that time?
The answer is 1:21
